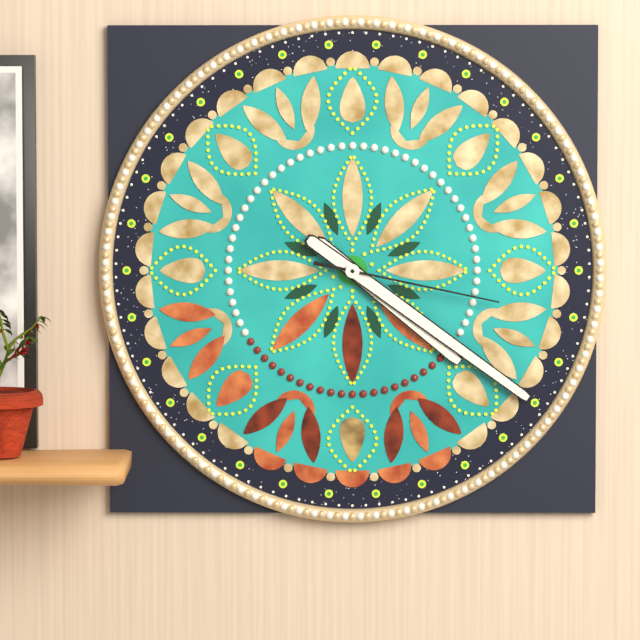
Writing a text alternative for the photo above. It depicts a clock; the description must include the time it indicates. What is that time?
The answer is 4:21:17
